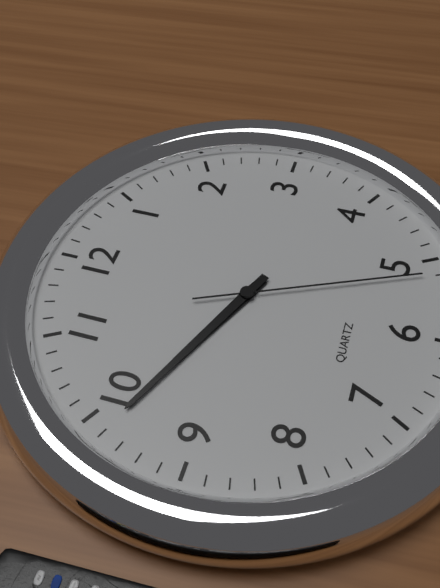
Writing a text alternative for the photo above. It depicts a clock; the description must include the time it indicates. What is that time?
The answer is 9:49:26
